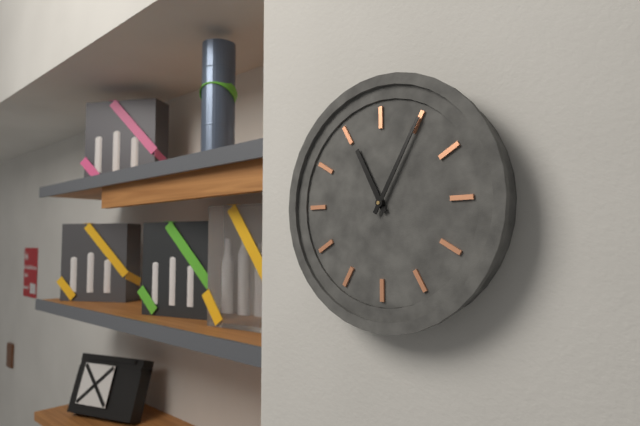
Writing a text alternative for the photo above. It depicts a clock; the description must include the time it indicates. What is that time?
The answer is 11:05
